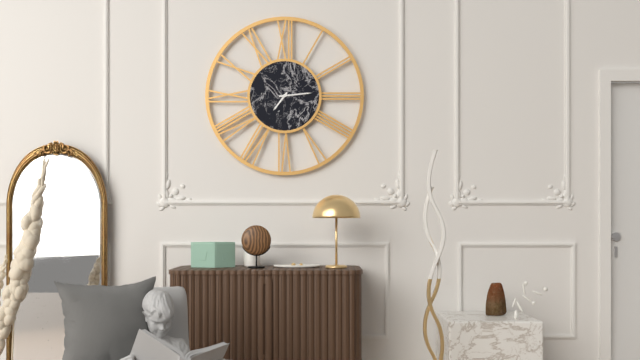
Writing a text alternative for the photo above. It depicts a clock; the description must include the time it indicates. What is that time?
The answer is 7:14
